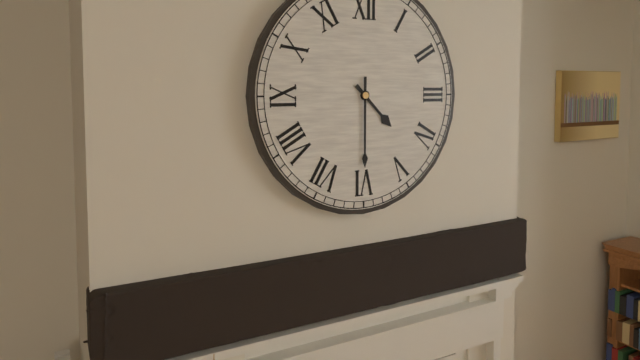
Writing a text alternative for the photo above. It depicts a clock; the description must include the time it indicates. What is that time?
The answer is 4:30
